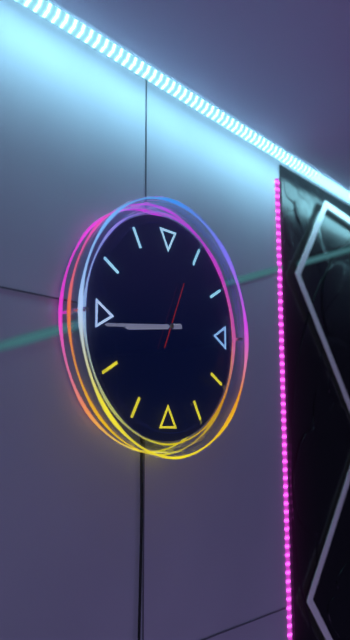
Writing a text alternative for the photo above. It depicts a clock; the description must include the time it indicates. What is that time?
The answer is 8:44:04
